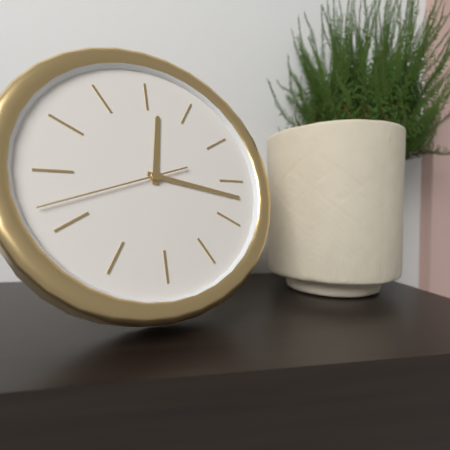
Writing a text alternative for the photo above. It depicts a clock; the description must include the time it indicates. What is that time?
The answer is 12:17:42
